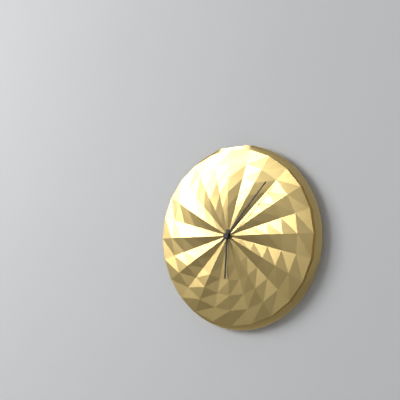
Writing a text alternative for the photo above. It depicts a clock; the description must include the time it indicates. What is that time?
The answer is 6:07
